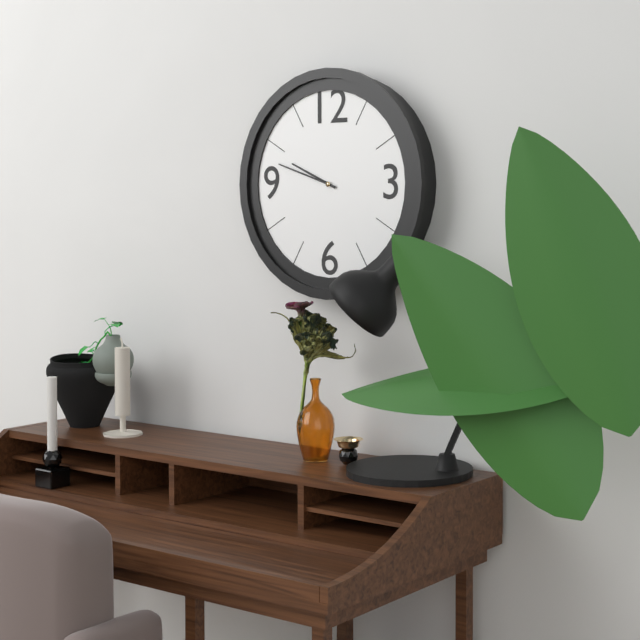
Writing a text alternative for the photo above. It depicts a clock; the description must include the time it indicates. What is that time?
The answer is 9:48
